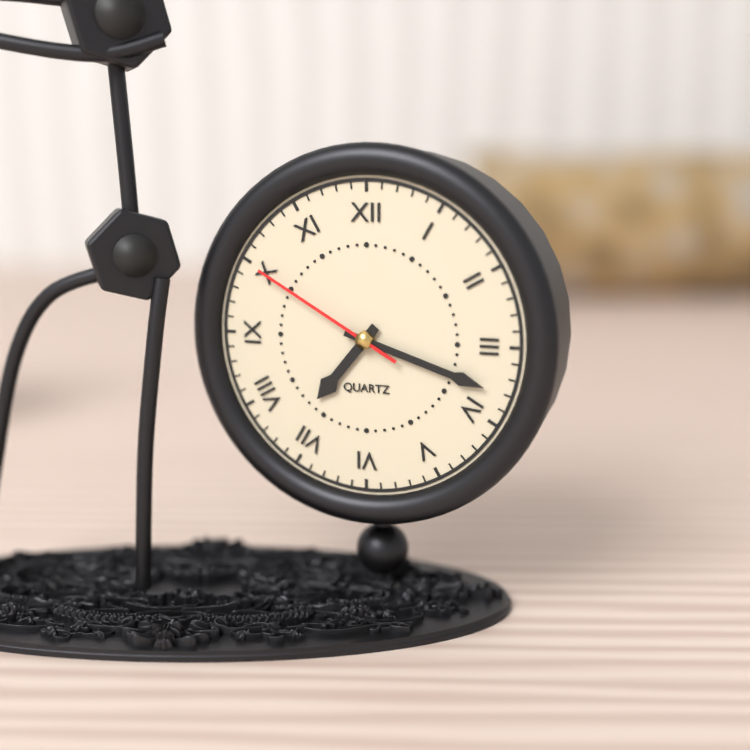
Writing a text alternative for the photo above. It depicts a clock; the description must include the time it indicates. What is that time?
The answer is 7:18:50
